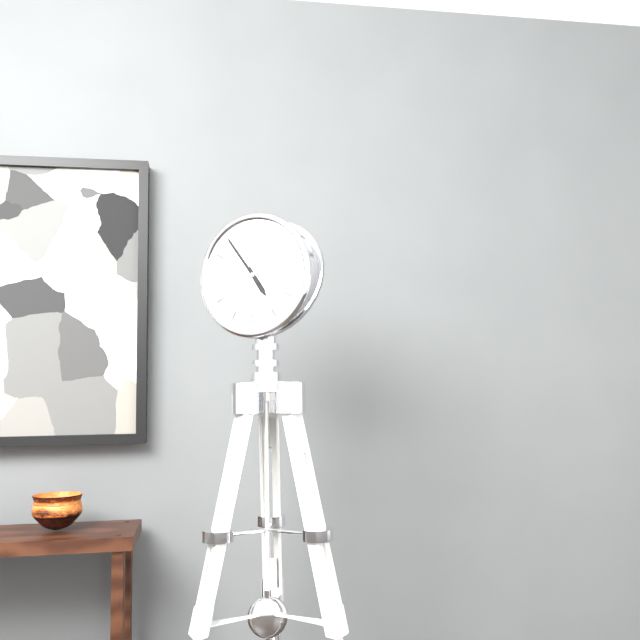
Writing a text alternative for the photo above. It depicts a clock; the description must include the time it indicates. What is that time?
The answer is 4:54
